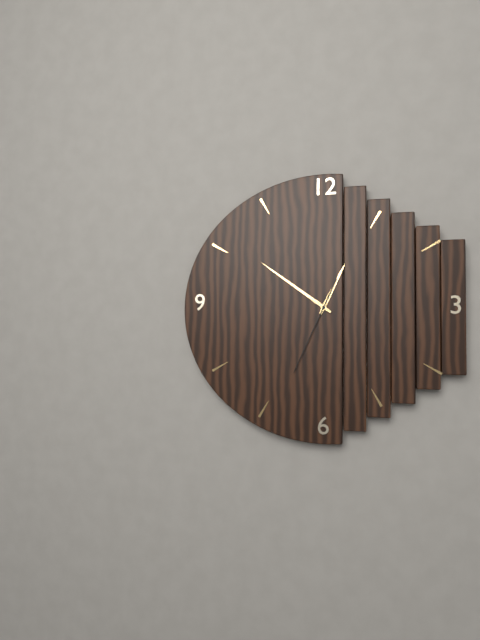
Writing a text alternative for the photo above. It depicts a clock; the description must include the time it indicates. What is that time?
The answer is 12:51:34
